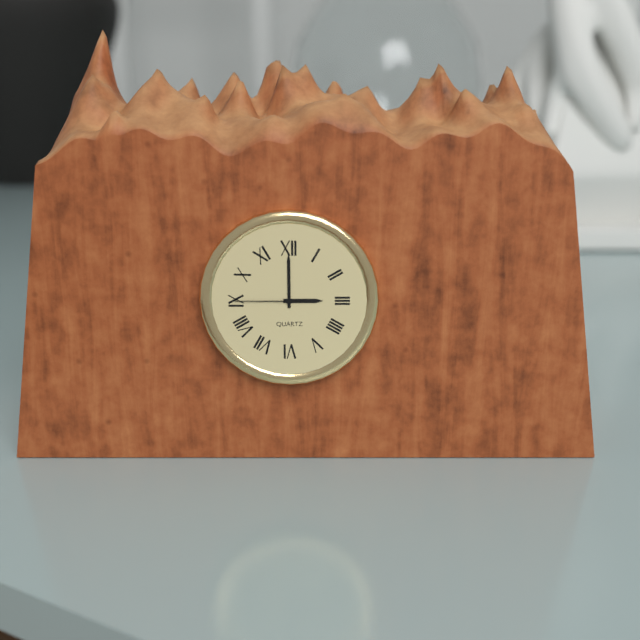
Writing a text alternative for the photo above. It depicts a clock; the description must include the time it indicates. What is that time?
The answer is 3:00:45
